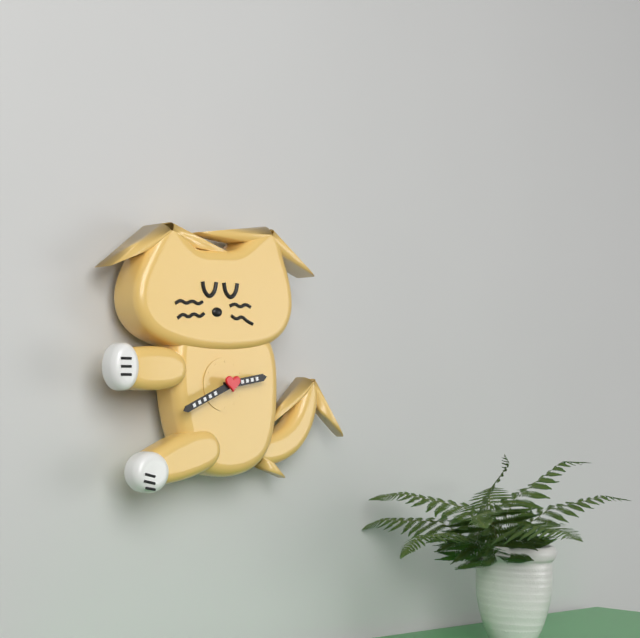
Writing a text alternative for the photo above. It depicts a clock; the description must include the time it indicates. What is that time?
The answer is 2:41
